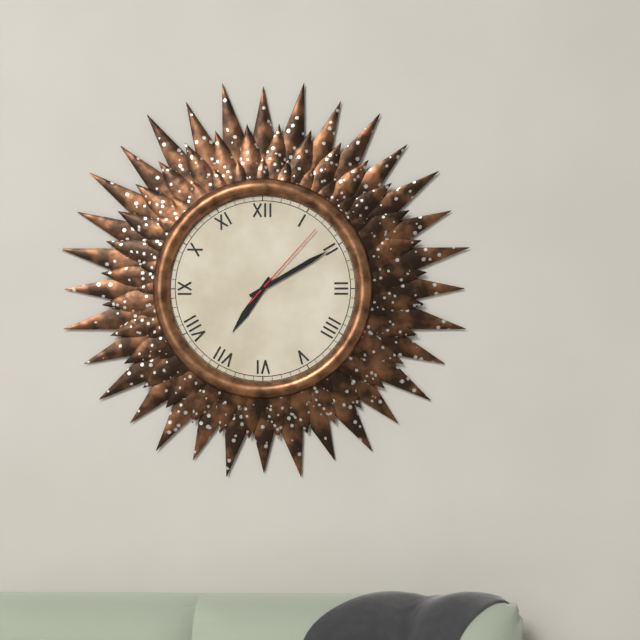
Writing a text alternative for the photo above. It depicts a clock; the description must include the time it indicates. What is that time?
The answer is 7:10:07
